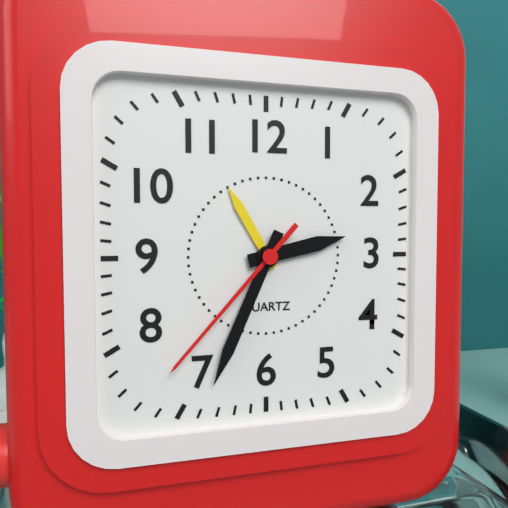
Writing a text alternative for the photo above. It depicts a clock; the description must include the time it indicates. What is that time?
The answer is 2:34:37
